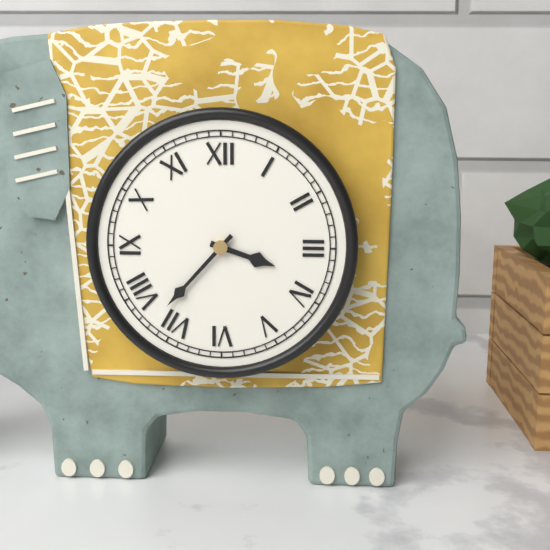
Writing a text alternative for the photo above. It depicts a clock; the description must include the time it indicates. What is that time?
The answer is 3:37
